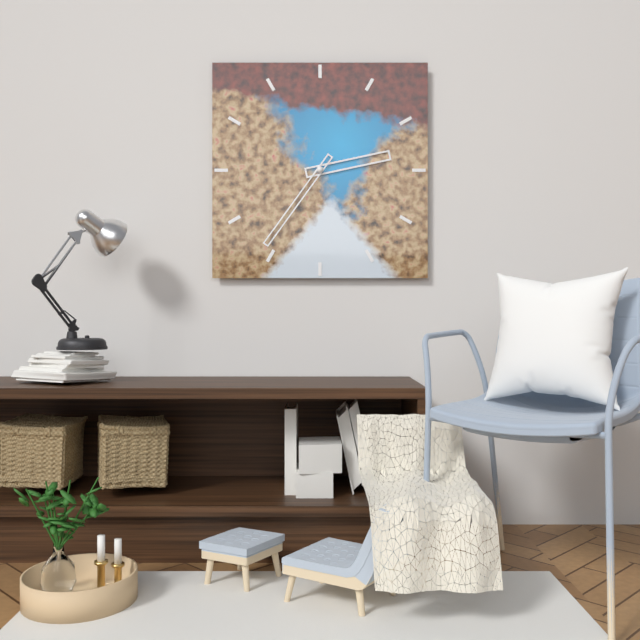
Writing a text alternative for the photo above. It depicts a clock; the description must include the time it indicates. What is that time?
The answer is 2:36
